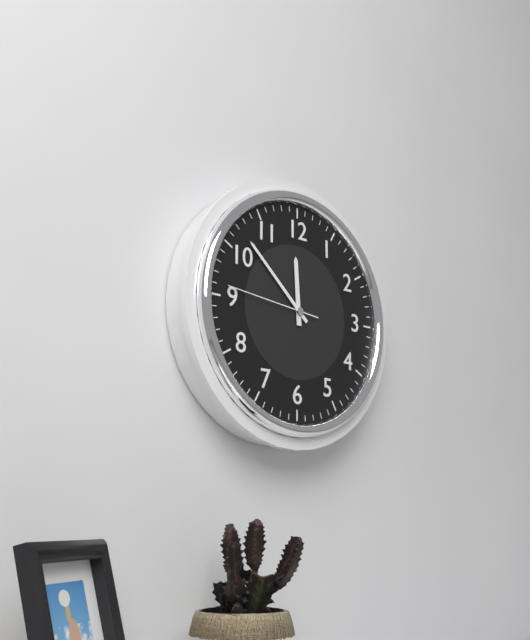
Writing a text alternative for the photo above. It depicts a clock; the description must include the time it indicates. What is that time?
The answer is 11:52:46
